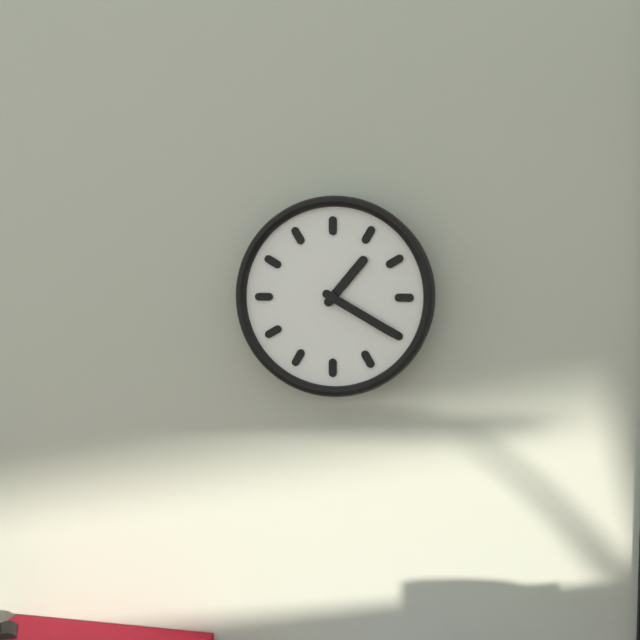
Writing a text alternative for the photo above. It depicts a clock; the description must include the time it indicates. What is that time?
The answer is 1:20
